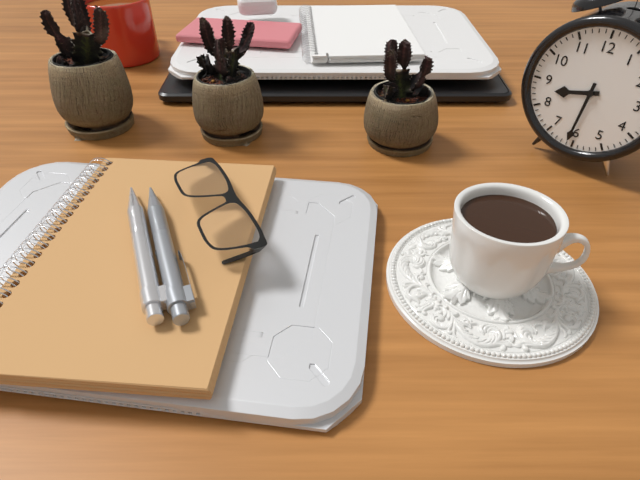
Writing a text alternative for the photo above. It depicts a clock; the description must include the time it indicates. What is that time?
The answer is 8:31
